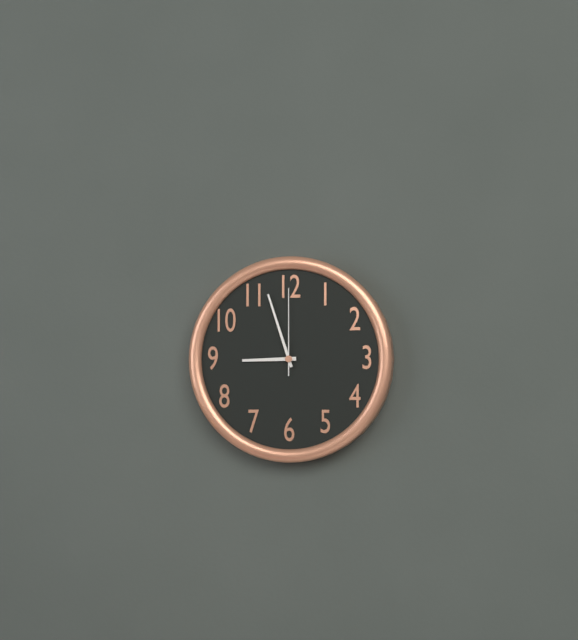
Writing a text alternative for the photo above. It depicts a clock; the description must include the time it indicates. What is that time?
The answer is 8:57:00
